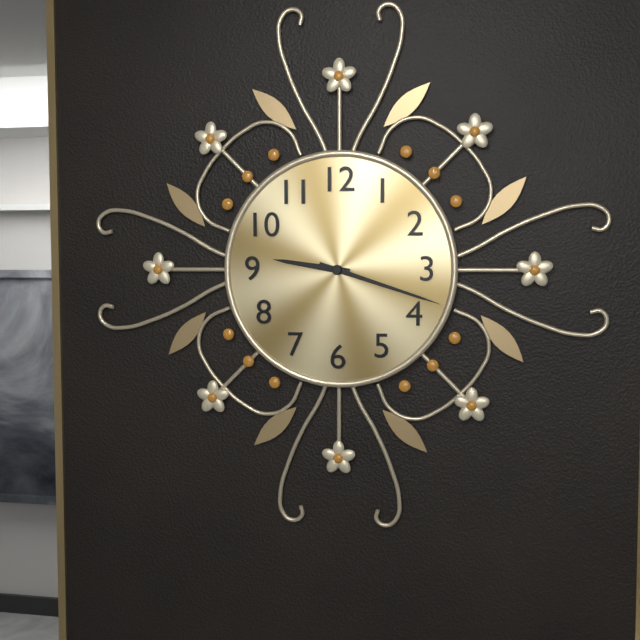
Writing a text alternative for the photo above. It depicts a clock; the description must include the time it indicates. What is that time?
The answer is 9:18
